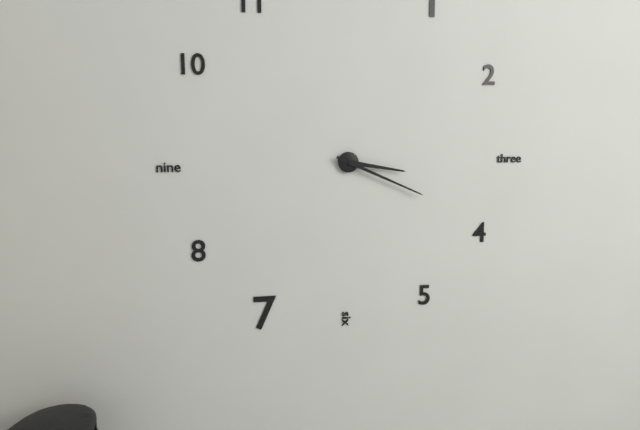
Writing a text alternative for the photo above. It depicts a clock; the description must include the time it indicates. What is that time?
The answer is 3:19
